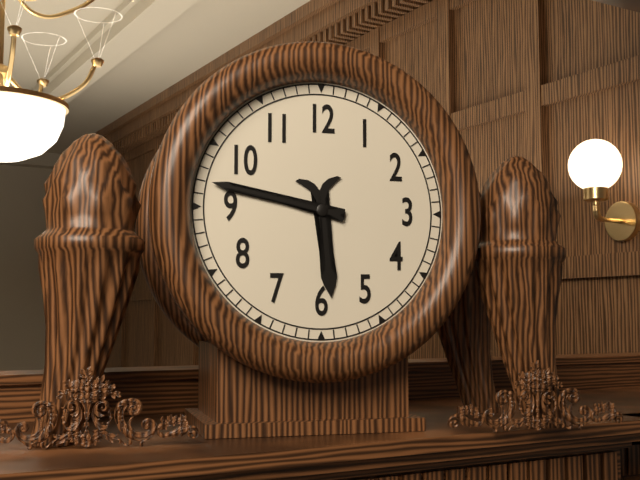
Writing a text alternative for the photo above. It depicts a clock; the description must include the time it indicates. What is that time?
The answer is 5:47
